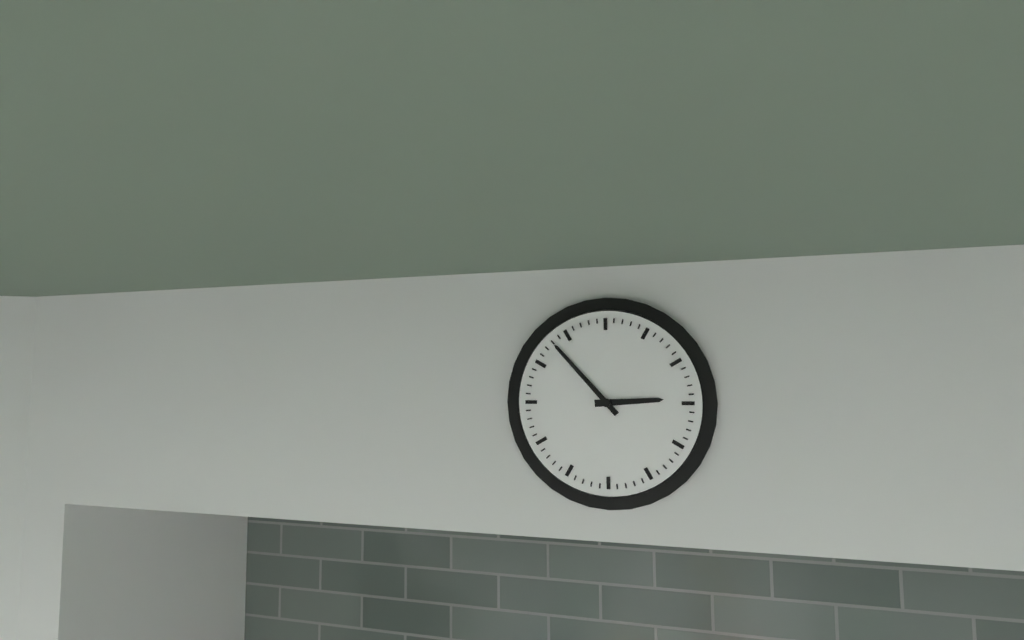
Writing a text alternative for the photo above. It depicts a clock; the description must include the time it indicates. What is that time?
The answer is 2:53
